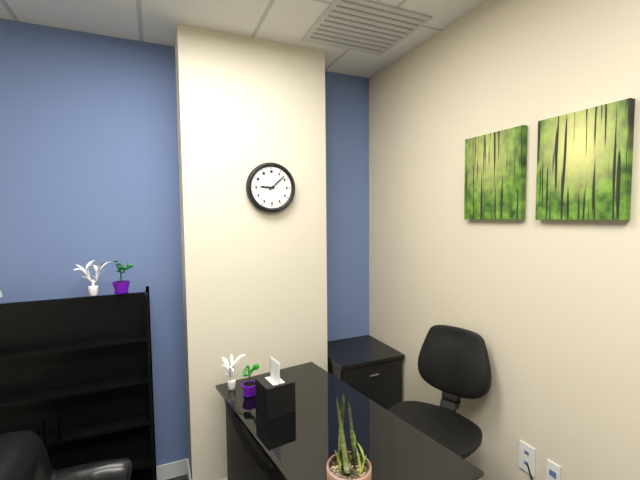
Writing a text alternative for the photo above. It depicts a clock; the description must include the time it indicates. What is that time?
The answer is 9:08
